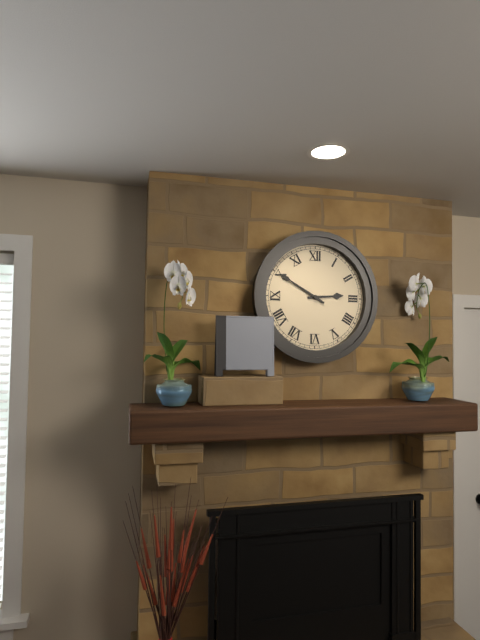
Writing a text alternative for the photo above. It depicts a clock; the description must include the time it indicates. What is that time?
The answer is 2:50
